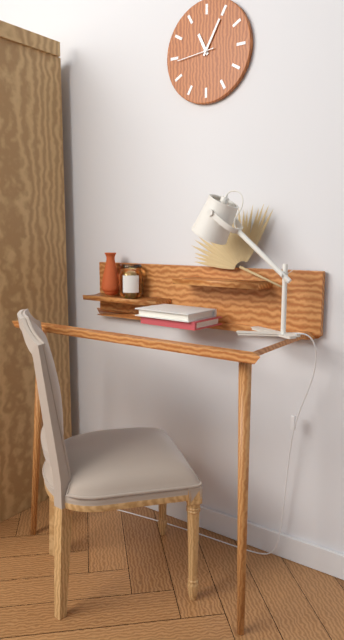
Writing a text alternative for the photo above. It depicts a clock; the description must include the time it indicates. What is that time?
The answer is 11:05
